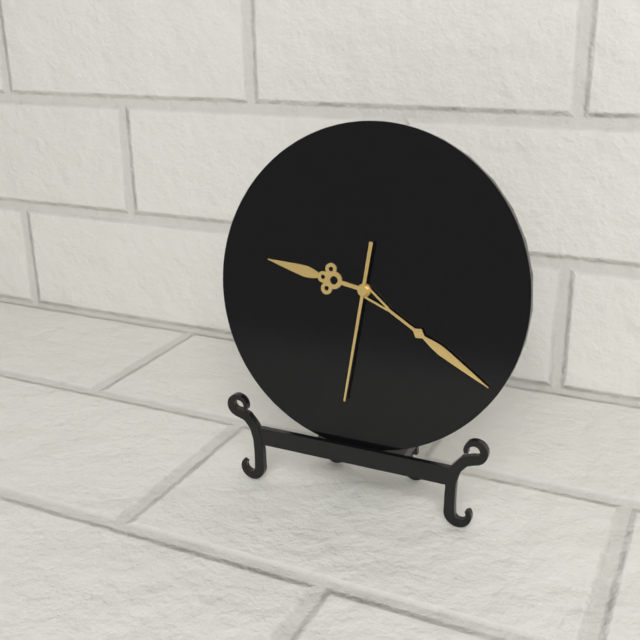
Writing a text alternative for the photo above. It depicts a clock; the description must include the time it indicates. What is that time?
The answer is 9:20:31
